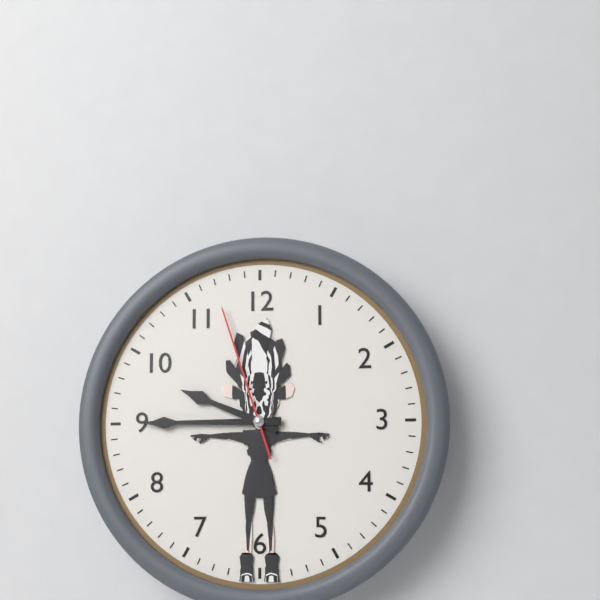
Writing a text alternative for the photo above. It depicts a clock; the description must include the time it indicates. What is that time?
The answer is 9:45:57
